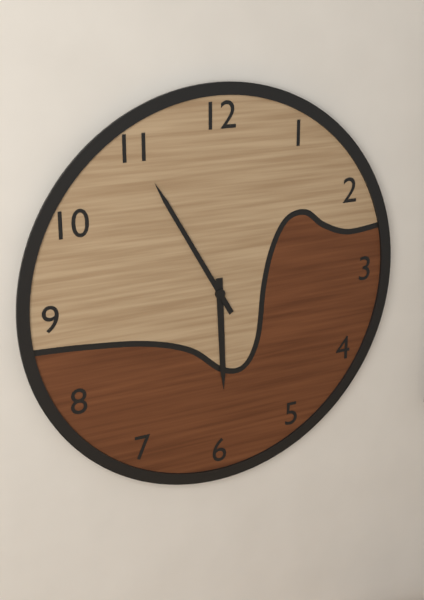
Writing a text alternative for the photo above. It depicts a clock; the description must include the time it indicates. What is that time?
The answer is 5:55
